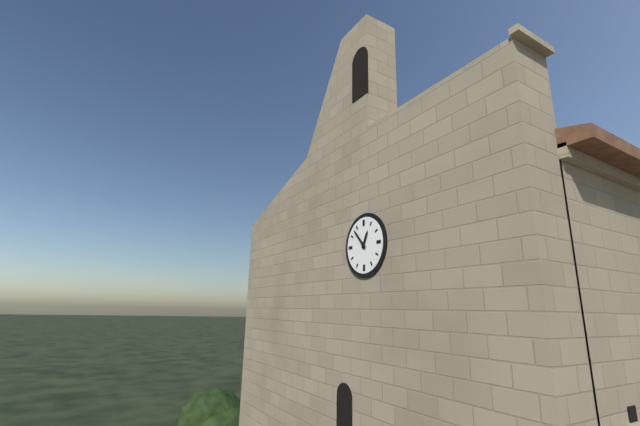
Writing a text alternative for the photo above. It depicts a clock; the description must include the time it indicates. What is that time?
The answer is 12:53
